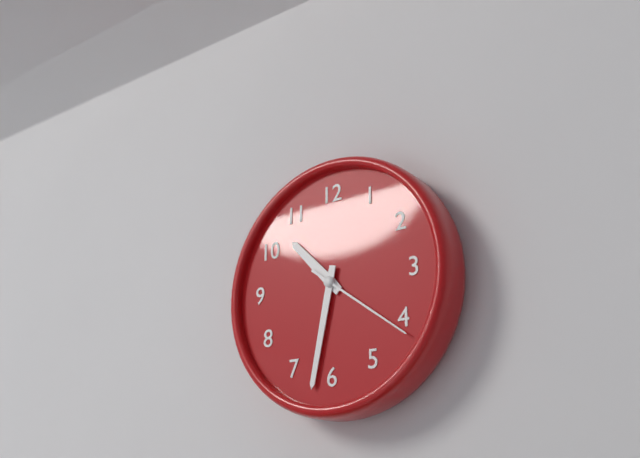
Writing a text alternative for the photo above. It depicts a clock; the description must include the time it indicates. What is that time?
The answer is 10:32:21
